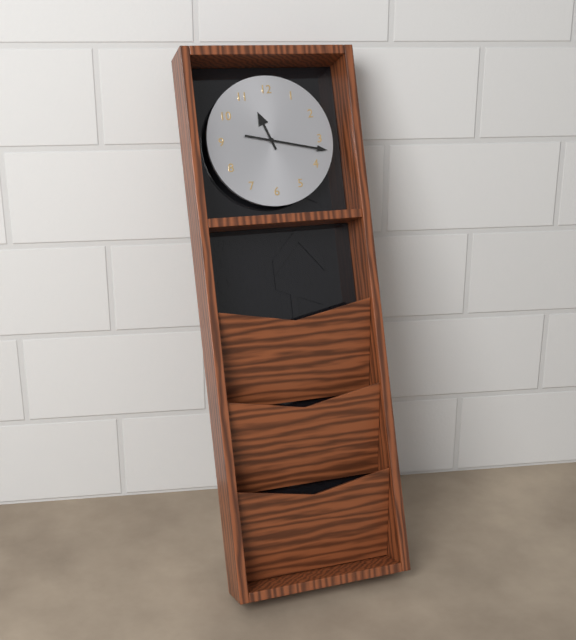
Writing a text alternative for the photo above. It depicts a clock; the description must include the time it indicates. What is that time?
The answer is 11:17
